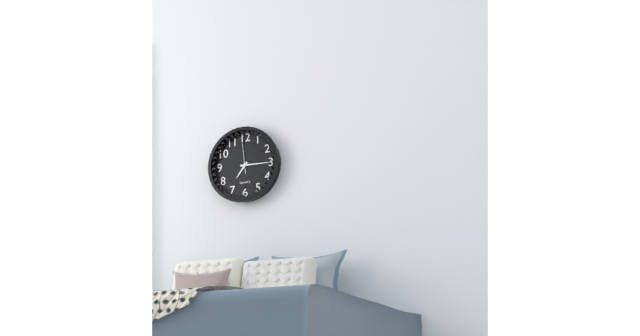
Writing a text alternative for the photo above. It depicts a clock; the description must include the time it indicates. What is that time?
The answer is 7:15
